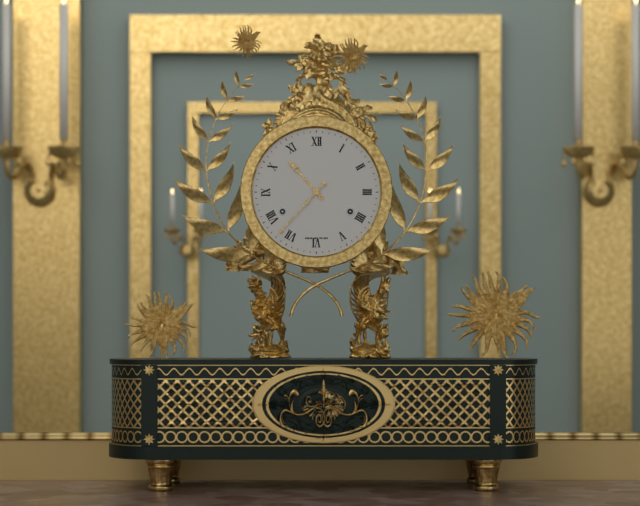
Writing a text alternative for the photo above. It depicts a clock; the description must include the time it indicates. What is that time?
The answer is 10:37
